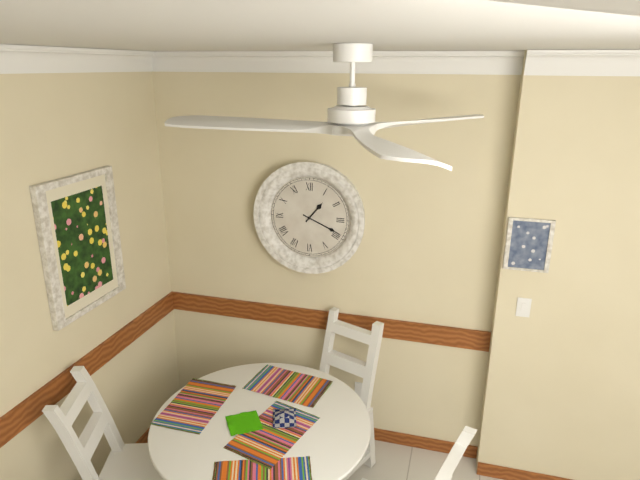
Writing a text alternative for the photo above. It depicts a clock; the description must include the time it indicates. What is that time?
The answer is 1:19
